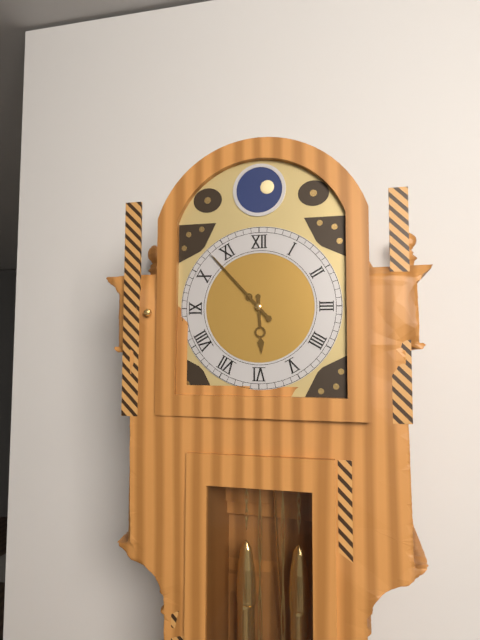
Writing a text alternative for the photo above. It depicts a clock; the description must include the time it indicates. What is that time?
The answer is 5:53
